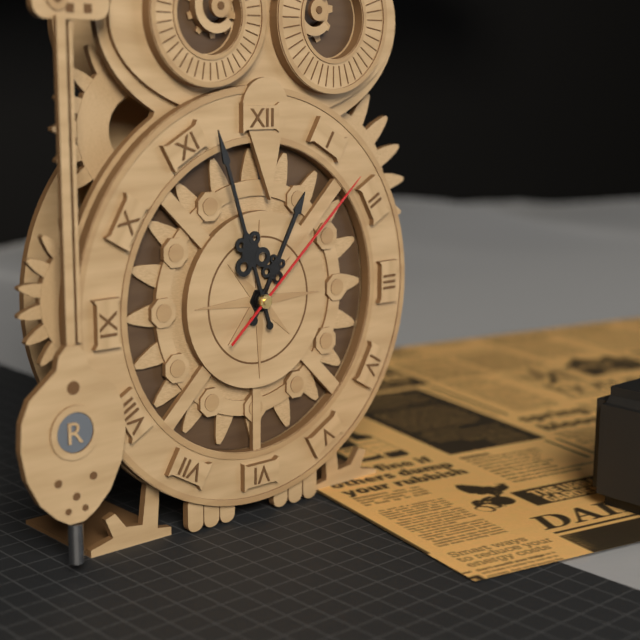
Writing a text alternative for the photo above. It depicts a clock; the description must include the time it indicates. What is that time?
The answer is 12:57:08
